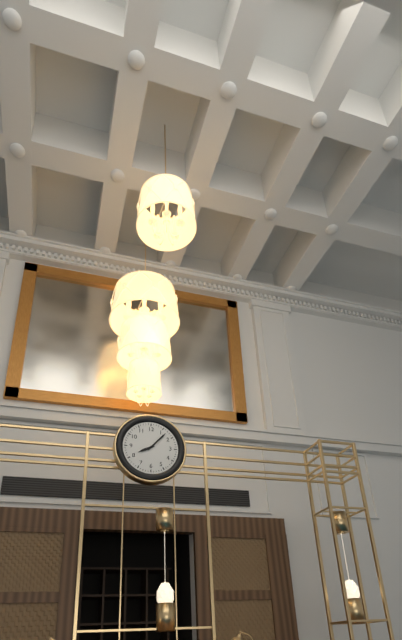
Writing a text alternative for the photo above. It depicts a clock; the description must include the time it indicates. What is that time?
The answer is 8:07
